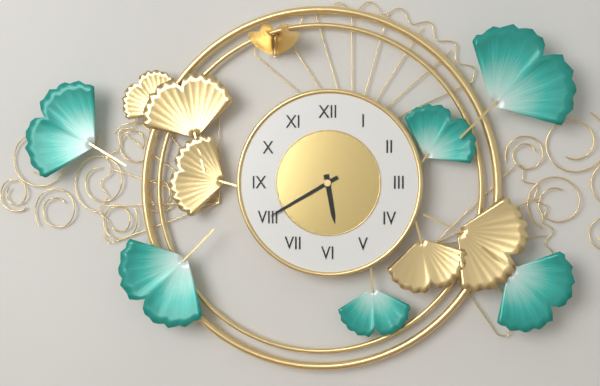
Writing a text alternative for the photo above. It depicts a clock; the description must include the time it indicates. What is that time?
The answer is 5:40
